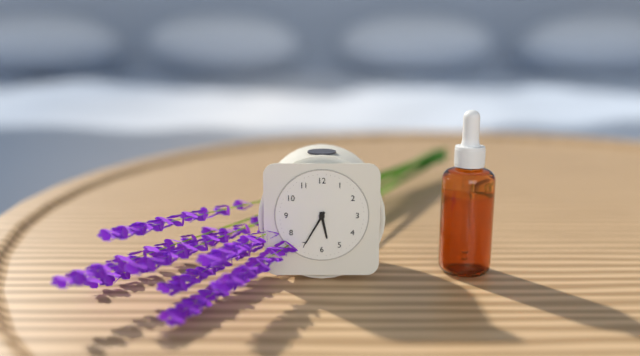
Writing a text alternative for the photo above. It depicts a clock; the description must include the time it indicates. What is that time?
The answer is 5:35
